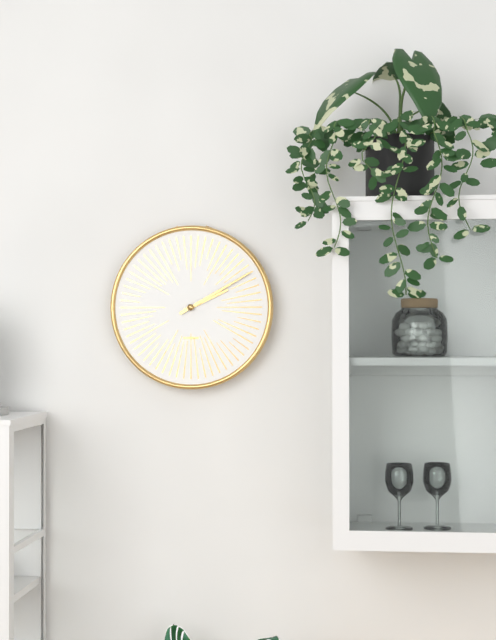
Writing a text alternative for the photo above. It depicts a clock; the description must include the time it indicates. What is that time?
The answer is 2:10
